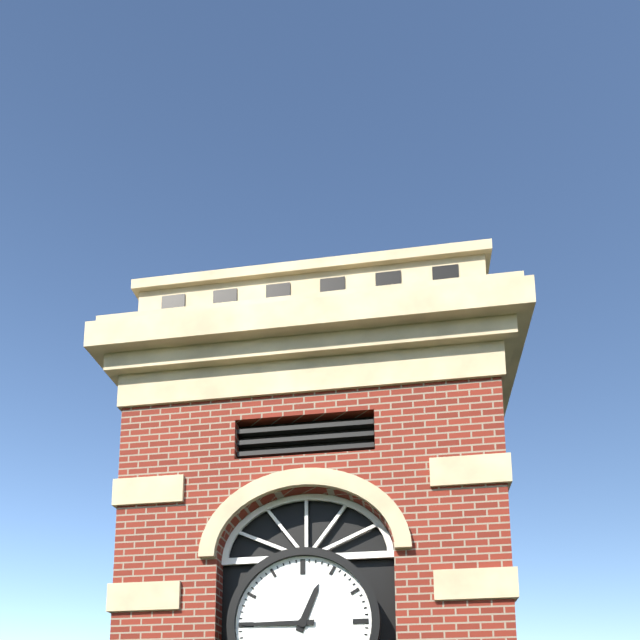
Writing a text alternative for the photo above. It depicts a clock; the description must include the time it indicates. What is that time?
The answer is 12:45
